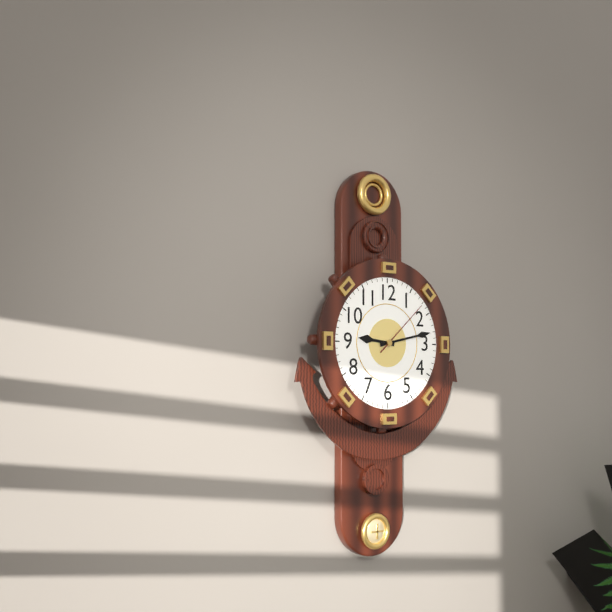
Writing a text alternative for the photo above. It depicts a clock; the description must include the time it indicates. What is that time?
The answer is 9:13:08
